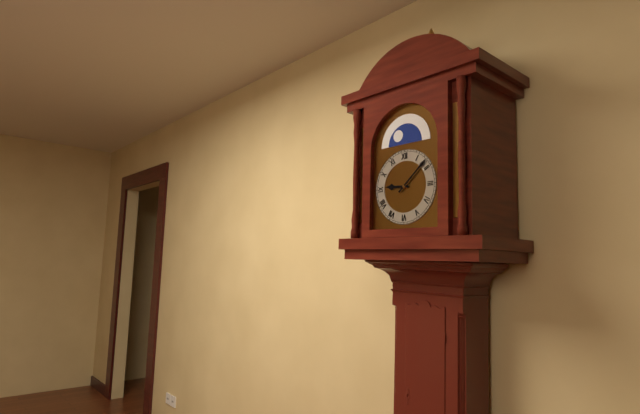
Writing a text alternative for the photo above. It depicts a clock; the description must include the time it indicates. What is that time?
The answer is 9:08
